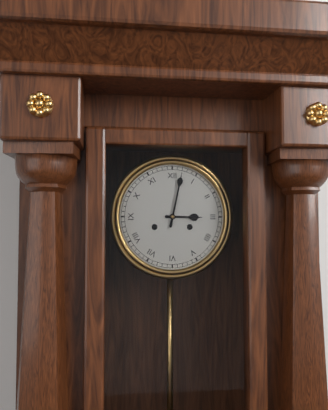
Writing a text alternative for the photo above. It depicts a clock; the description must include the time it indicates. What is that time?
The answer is 3:02
